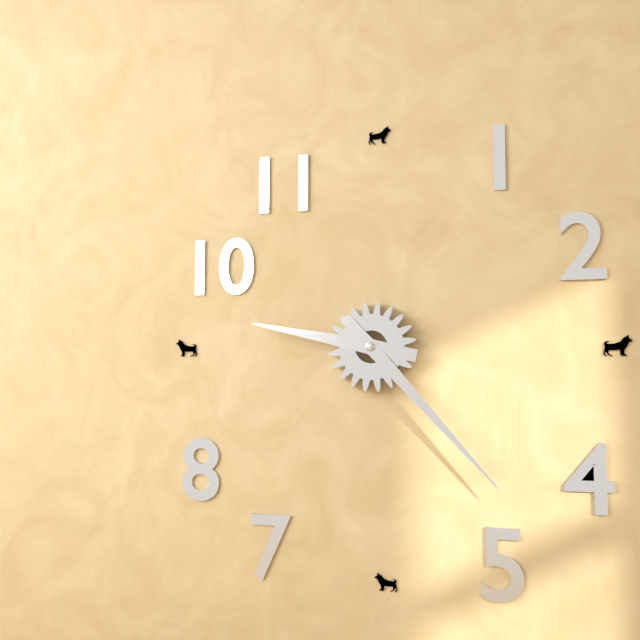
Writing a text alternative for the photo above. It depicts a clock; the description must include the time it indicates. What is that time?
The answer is 9:23
